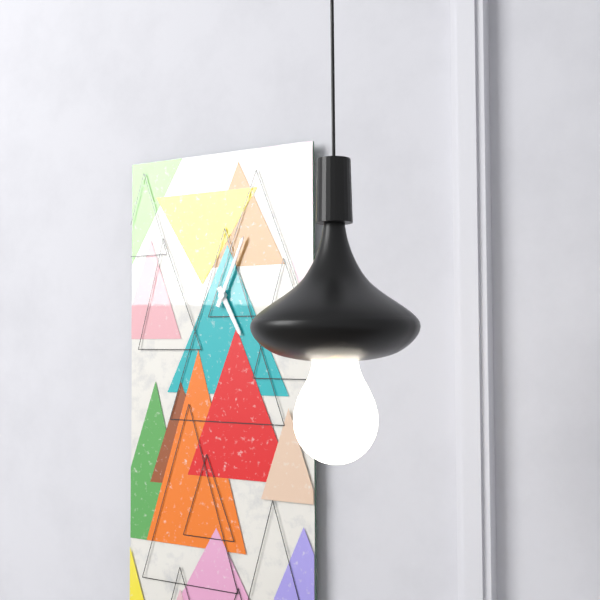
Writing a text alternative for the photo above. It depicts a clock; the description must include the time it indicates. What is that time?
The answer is 5:04
